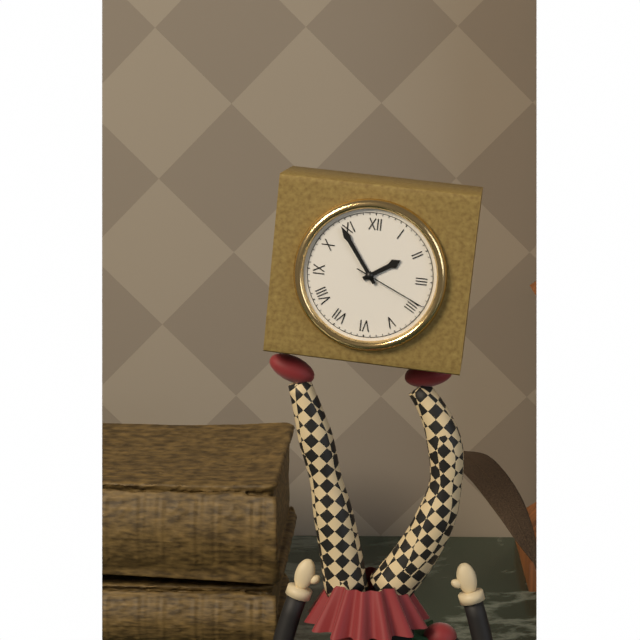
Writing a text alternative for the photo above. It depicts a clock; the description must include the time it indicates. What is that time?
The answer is 1:54:19
